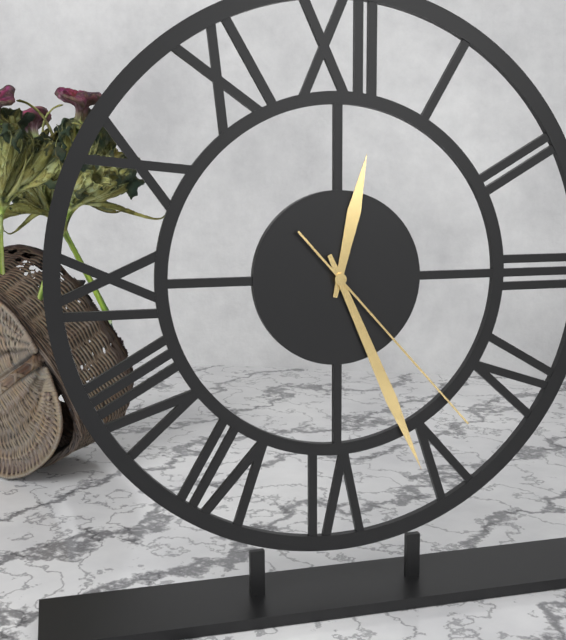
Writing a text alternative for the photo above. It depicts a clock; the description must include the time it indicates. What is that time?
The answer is 12:26:23
